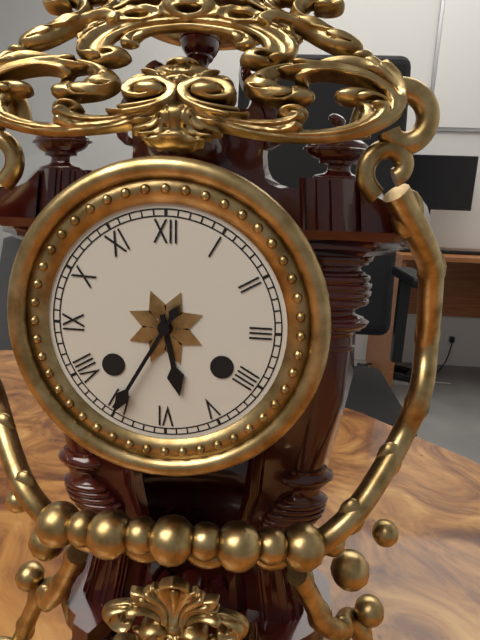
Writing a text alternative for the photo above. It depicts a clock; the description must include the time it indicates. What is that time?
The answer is 5:35
